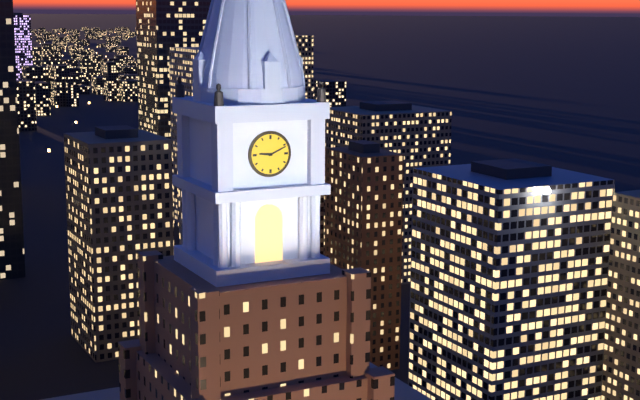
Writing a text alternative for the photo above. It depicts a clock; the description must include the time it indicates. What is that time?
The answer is 9:11
